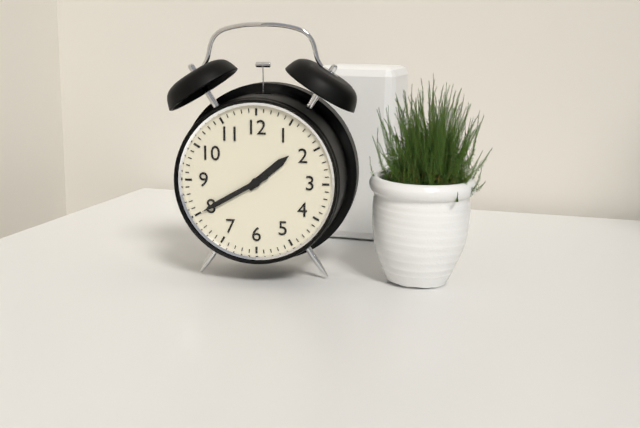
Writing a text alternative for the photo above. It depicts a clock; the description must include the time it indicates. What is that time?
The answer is 1:40
